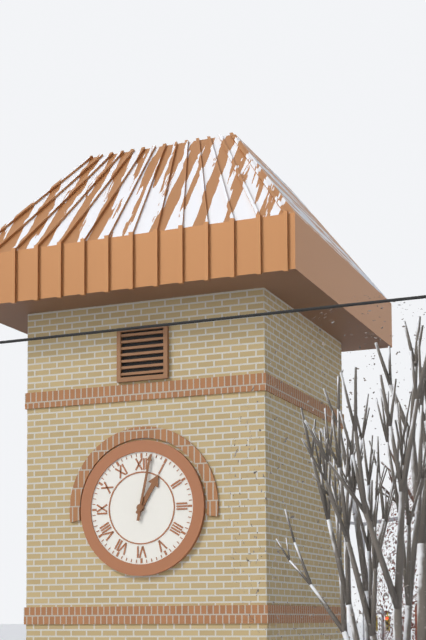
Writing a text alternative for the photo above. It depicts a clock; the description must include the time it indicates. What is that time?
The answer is 1:02
